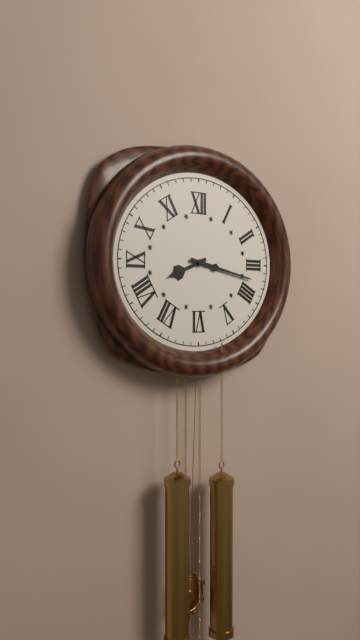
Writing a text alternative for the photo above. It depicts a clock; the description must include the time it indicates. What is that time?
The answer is 8:17
